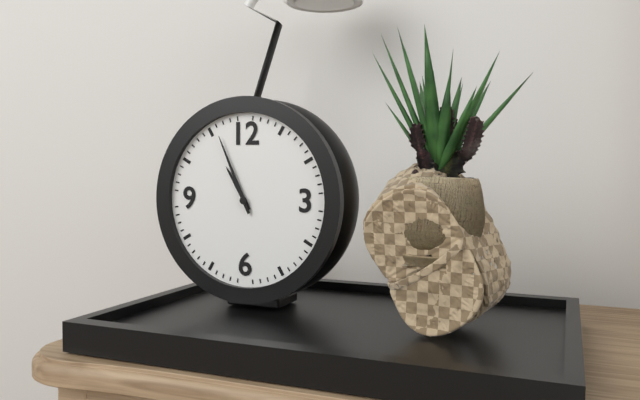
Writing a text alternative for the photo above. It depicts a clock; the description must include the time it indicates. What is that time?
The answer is 10:56
